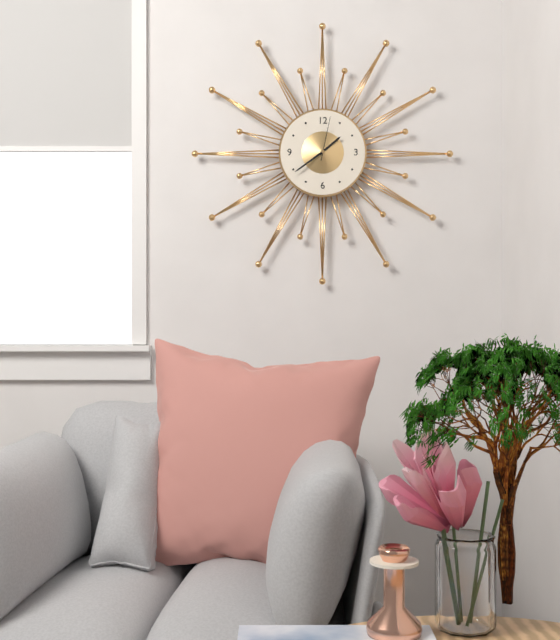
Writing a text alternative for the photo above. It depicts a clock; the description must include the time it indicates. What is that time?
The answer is 1:39
